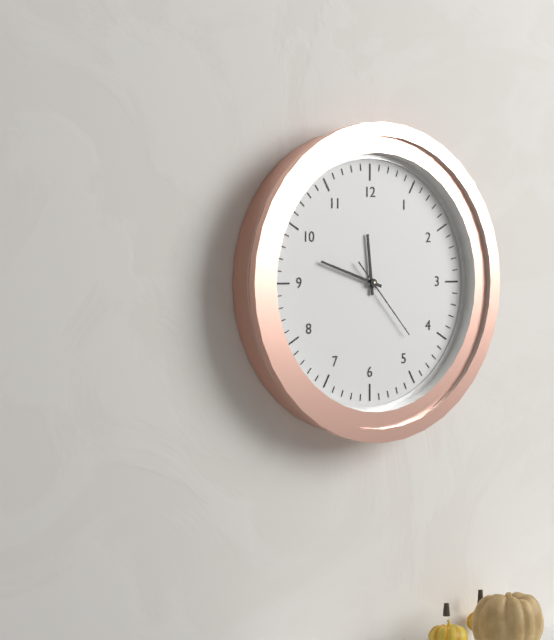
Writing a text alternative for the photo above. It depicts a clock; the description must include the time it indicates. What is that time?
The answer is 11:48:23
